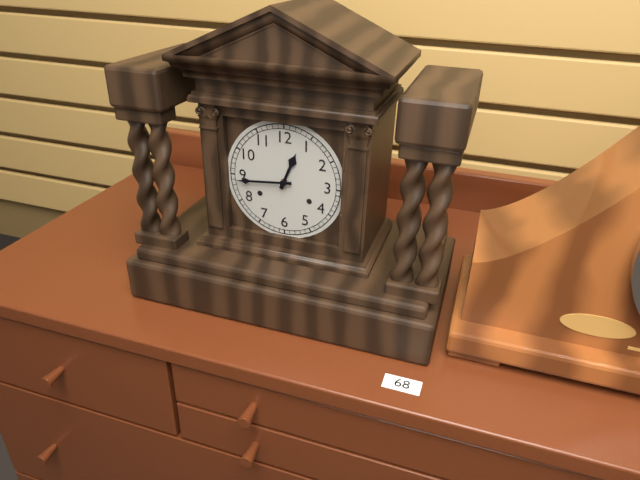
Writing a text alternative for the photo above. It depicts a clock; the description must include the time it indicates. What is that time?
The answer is 12:44
